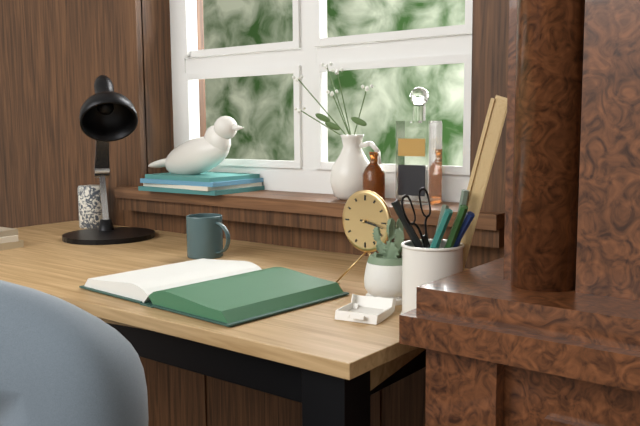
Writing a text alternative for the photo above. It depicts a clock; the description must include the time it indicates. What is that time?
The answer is 3:17
